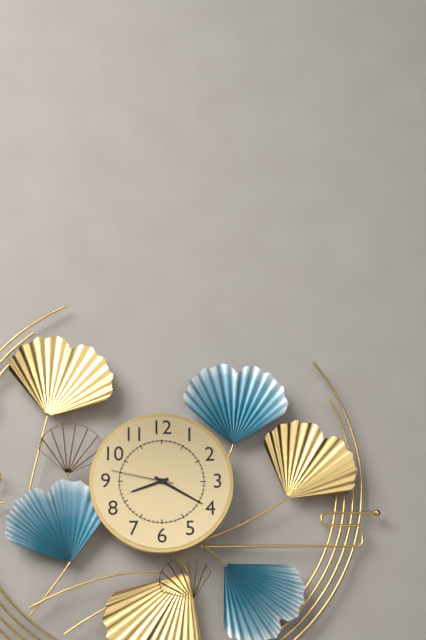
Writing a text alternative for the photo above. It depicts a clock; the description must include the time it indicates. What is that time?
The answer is 8:20:47
